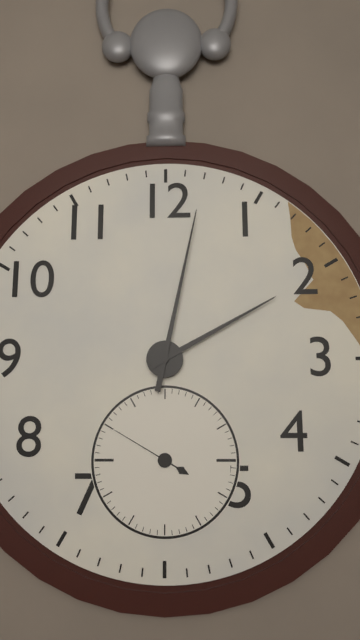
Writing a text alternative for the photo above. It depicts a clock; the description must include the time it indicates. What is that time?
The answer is 2:02:50
